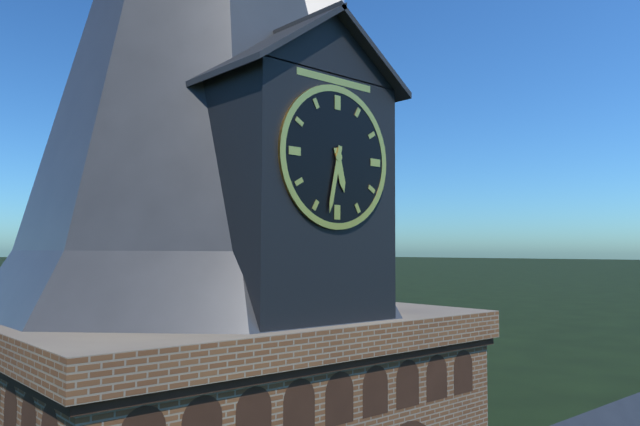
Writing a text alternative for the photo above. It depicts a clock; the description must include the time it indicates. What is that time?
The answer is 5:32
